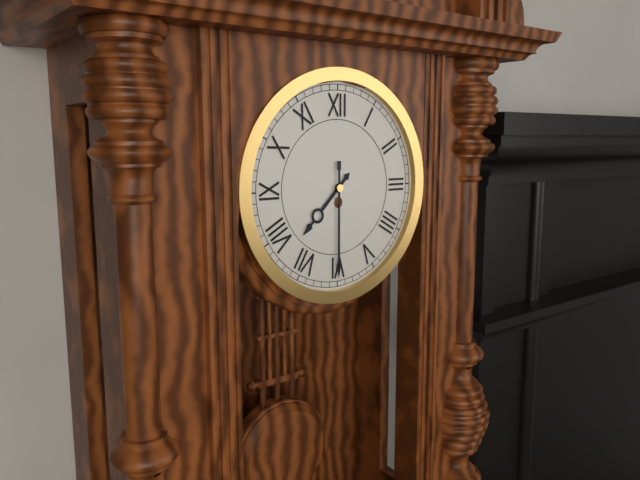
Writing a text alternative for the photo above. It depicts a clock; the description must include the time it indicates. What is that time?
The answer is 7:30
